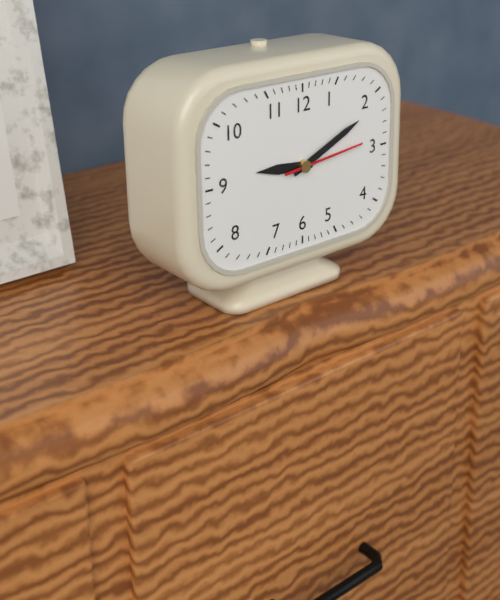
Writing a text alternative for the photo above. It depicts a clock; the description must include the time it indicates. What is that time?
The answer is 9:11:14
